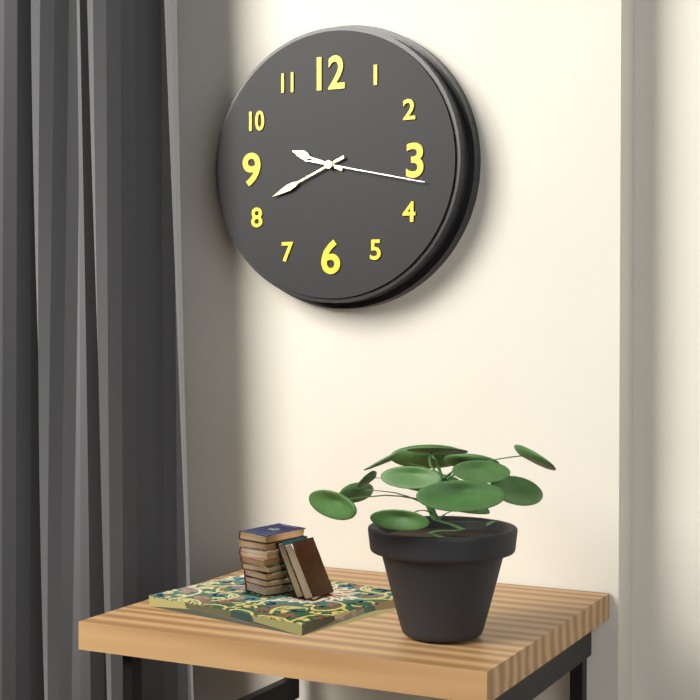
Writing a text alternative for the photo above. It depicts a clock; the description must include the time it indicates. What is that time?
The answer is 9:41:17
